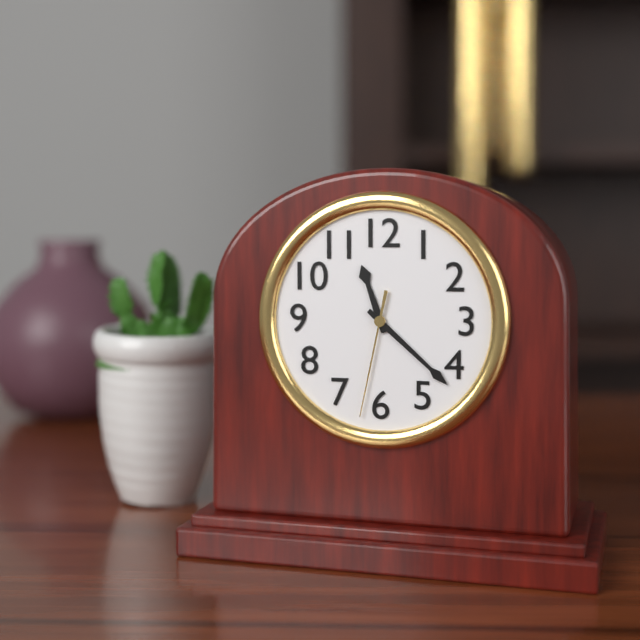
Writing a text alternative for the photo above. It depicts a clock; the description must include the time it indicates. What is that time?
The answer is 11:22:32
